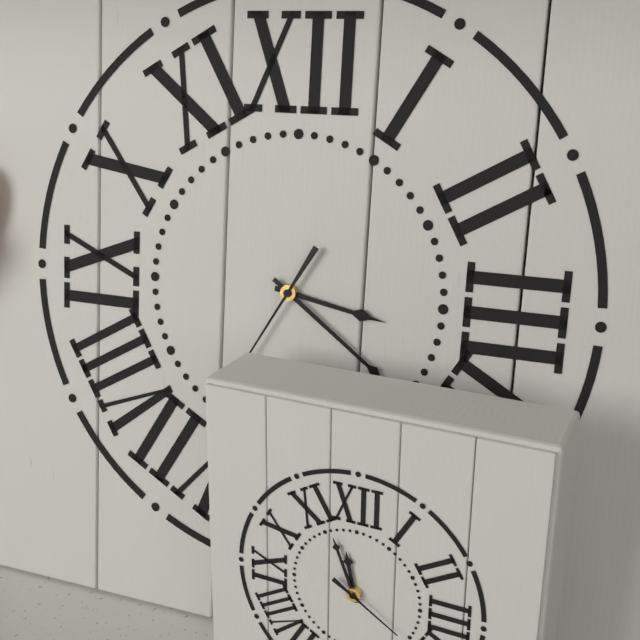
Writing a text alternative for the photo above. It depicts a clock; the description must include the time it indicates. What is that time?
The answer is 3:21
